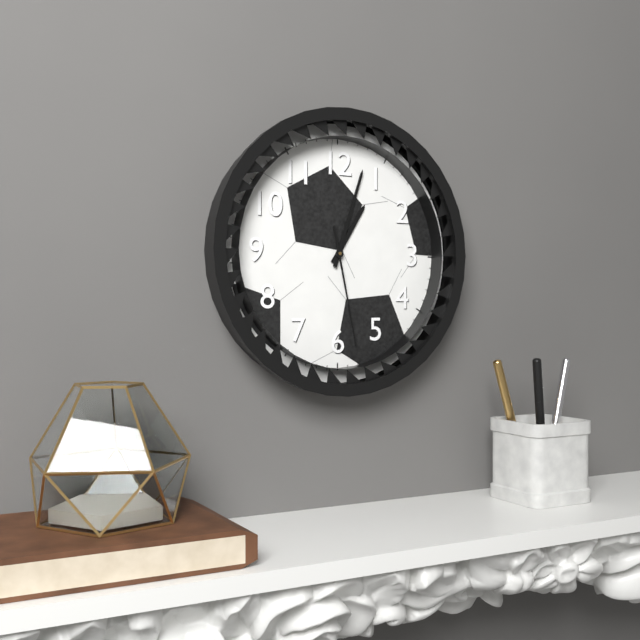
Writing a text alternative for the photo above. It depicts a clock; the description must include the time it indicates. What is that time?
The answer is 1:03:28
